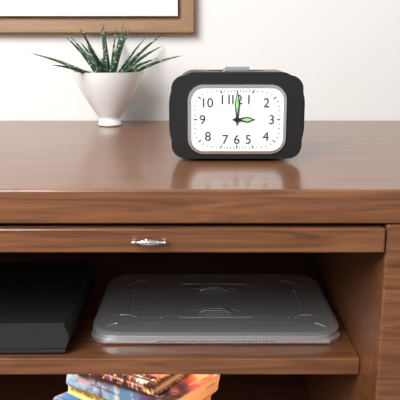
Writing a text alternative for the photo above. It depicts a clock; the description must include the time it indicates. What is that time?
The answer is 3:00
